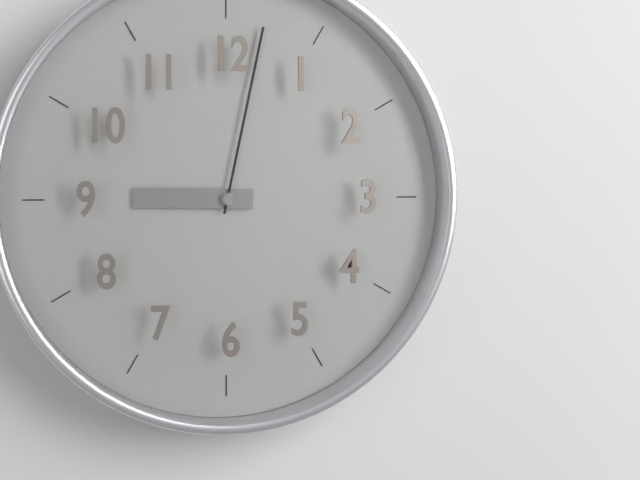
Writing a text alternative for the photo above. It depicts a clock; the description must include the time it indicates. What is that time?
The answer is 9:02
